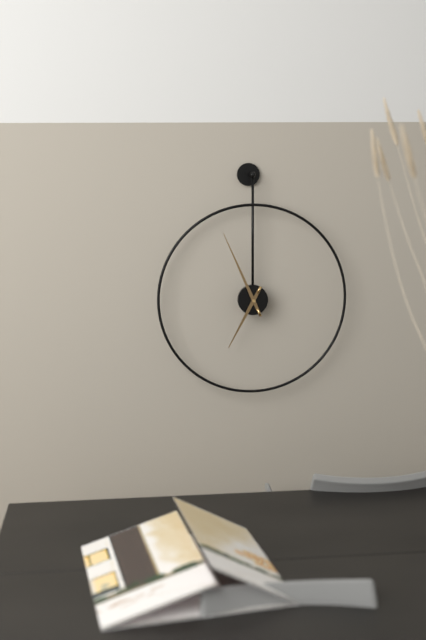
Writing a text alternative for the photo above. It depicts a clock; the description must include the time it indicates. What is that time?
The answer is 6:56
